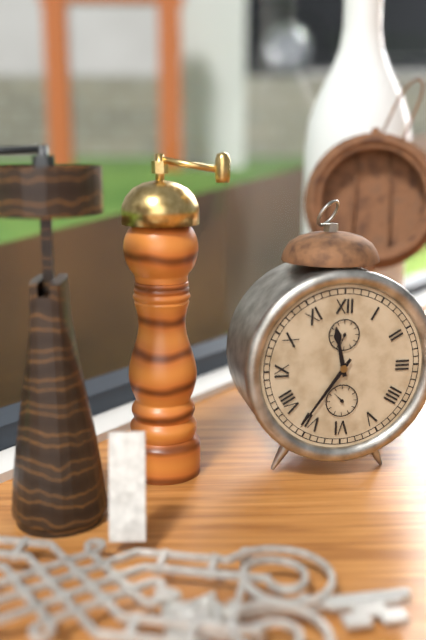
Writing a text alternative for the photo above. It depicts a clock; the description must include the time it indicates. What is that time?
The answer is 11:36
